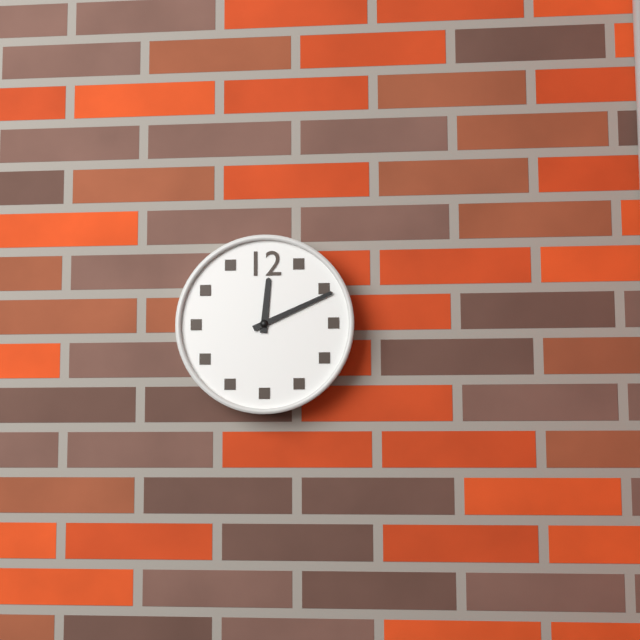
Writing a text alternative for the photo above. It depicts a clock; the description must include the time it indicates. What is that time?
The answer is 12:11
